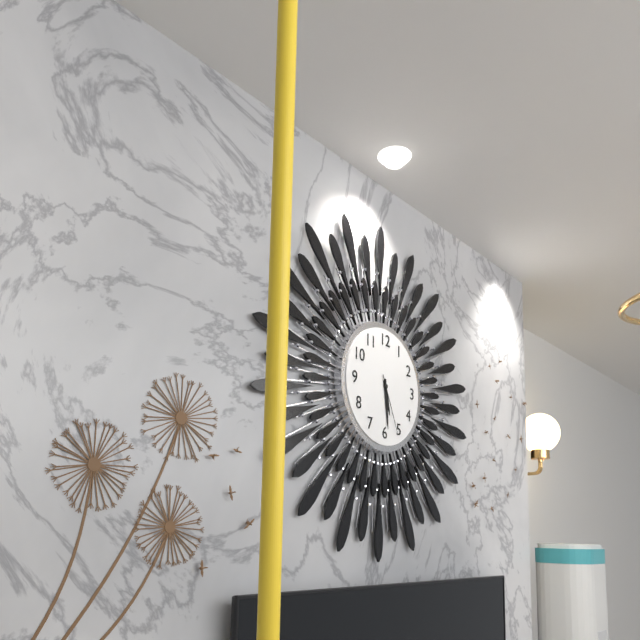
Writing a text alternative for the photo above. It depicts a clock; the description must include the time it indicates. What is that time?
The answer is 5:29:26
